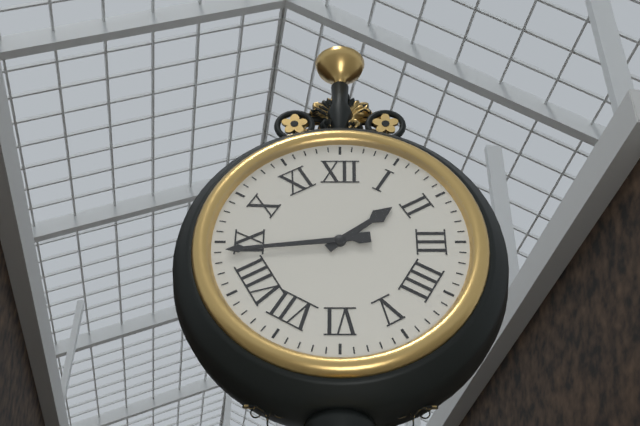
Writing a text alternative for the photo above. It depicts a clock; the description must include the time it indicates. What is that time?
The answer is 1:44
